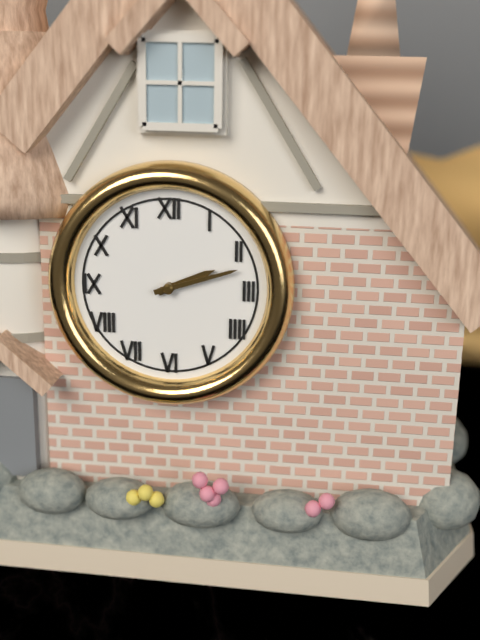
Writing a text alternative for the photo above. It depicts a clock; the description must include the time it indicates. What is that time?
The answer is 2:12
